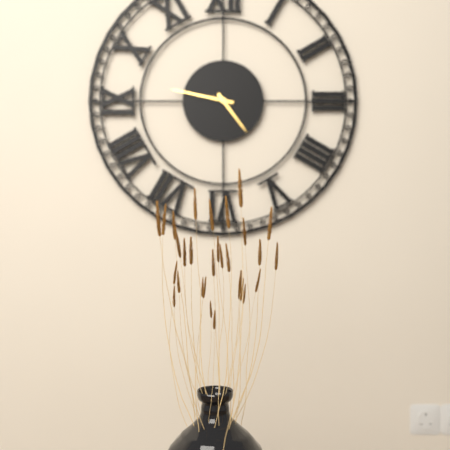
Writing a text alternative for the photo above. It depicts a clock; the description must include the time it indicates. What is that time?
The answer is 4:47
